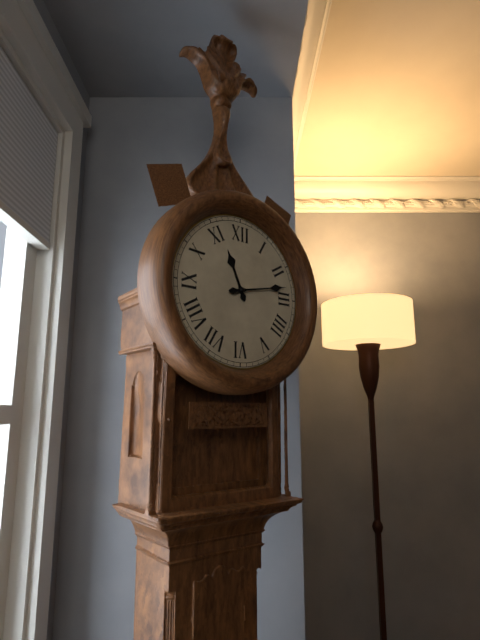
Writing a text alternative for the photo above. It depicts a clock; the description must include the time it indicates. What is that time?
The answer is 11:13
